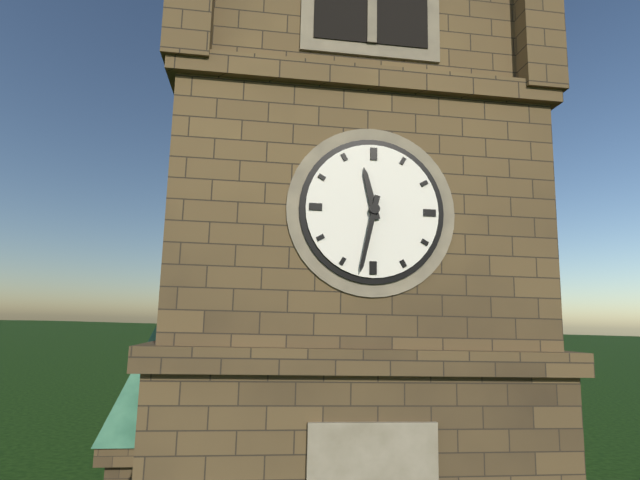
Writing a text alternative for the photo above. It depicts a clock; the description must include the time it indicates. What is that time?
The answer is 11:32
